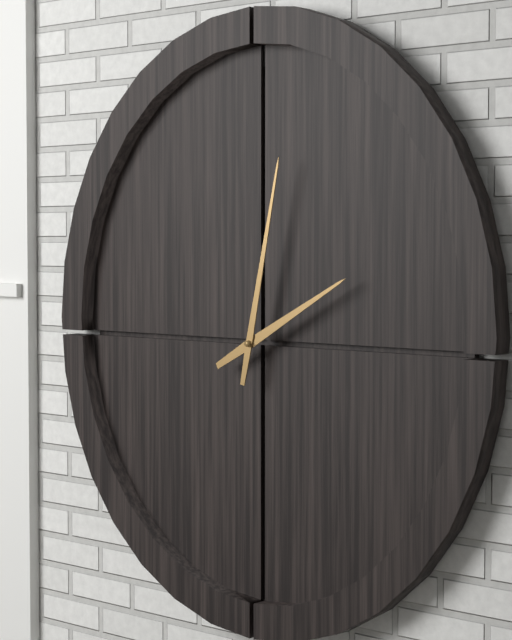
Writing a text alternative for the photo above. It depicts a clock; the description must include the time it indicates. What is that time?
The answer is 2:02
